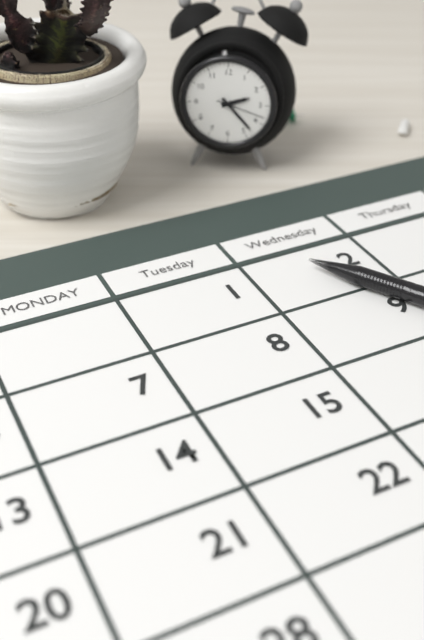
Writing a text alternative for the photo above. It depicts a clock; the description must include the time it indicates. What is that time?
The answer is 2:23
